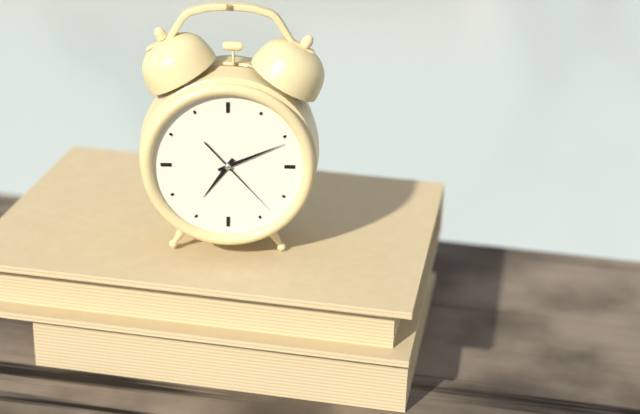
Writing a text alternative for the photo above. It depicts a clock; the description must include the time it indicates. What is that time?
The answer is 7:11:23
